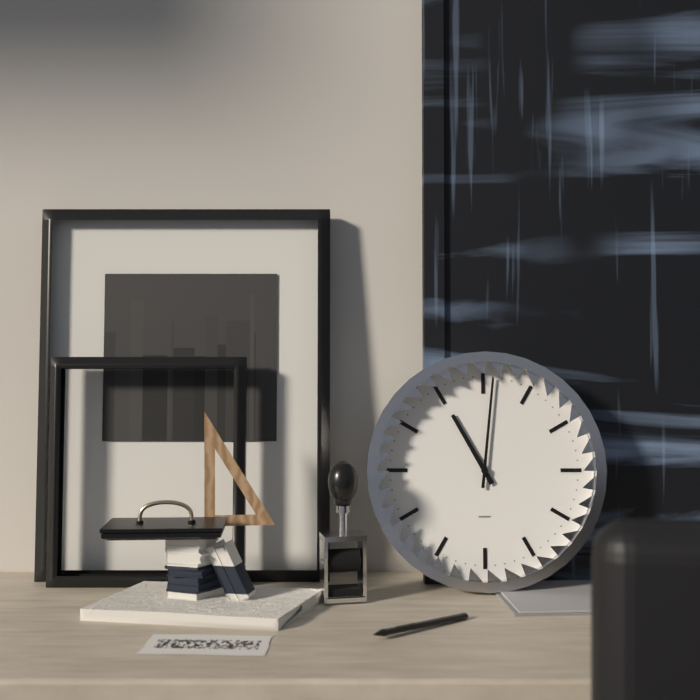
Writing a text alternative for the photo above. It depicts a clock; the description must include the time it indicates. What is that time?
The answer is 11:01
